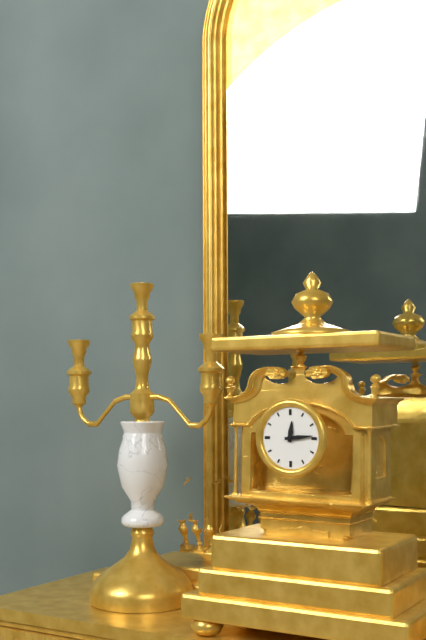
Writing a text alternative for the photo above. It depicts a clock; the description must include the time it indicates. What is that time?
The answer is 12:14
